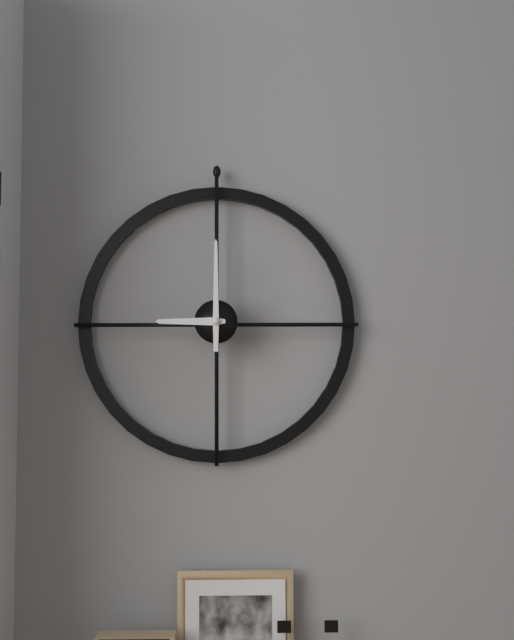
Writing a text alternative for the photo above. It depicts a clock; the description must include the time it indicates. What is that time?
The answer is 9:00
